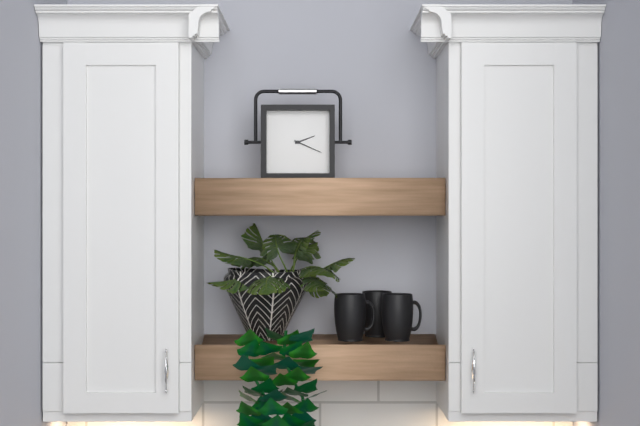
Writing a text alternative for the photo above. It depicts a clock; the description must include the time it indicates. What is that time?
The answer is 2:19
